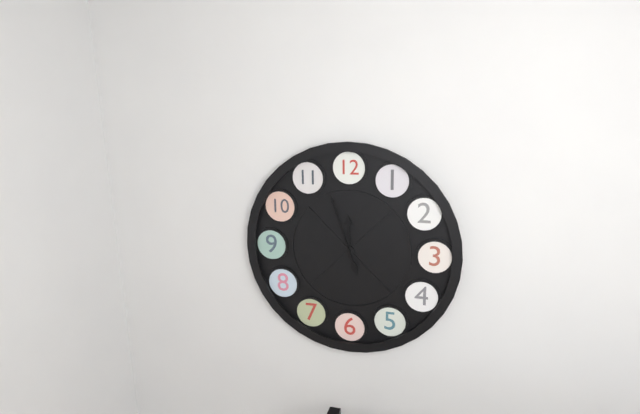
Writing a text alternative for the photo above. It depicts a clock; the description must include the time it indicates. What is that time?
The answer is 11:57
